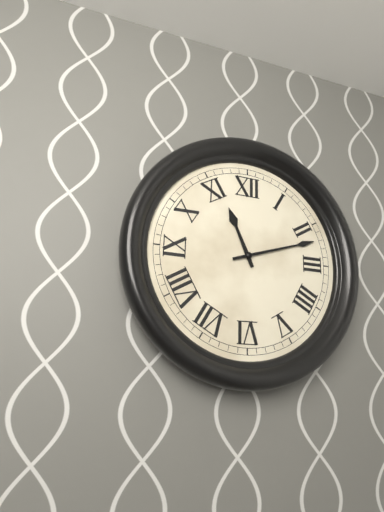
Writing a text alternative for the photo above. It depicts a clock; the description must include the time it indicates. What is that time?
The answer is 11:12
